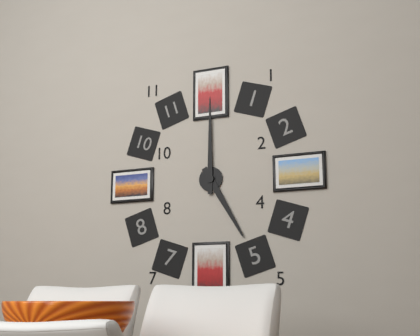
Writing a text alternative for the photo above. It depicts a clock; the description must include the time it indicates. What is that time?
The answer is 5:00
